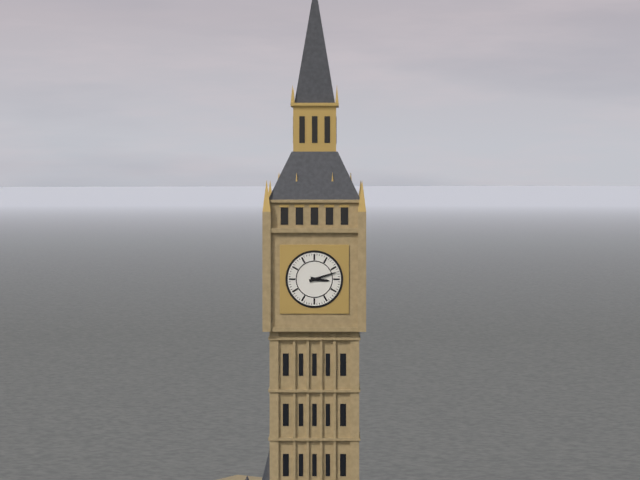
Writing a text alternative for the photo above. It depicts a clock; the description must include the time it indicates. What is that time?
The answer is 3:12
